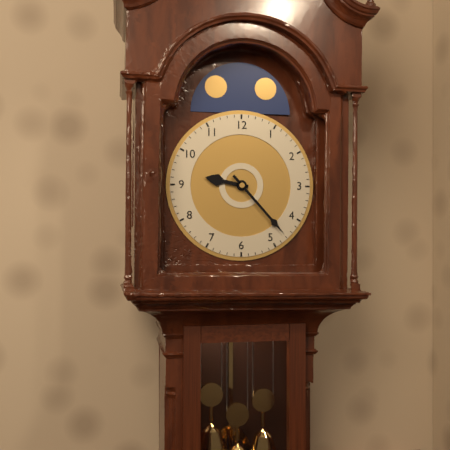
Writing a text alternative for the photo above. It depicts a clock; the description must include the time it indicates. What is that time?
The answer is 9:23
